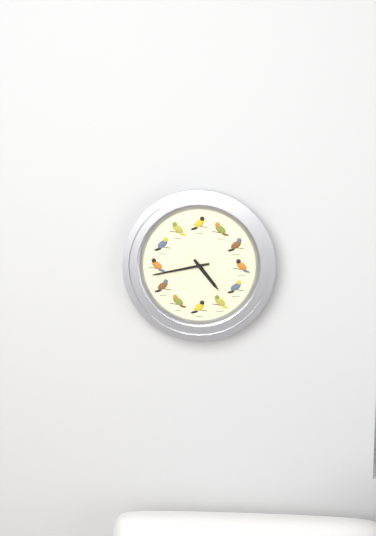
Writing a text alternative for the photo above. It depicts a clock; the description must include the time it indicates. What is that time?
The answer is 4:43
